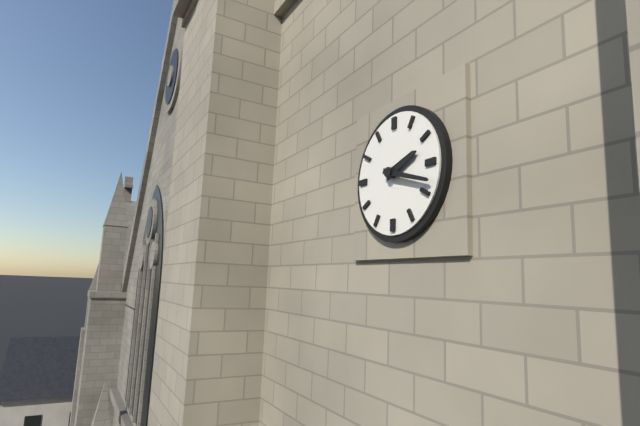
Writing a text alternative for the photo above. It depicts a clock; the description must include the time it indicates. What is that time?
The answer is 2:18
